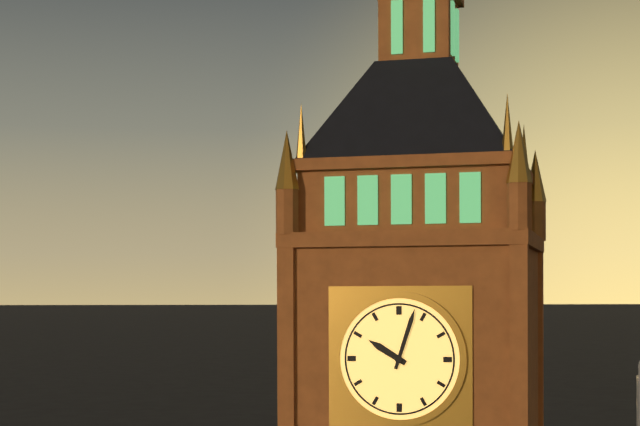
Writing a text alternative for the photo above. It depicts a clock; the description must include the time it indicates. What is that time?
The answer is 10:03
